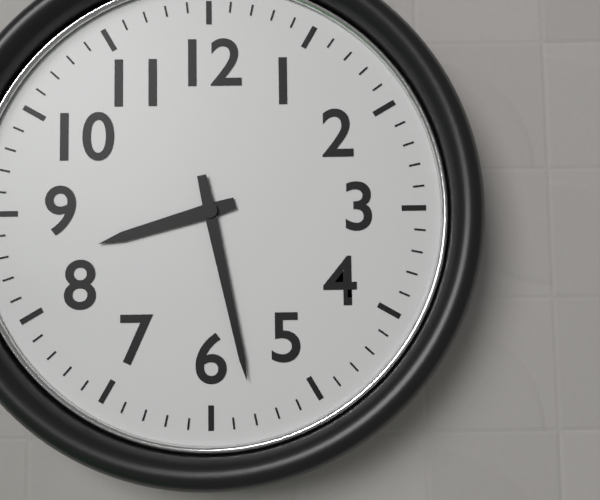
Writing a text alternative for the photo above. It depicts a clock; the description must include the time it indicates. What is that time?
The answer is 8:28
